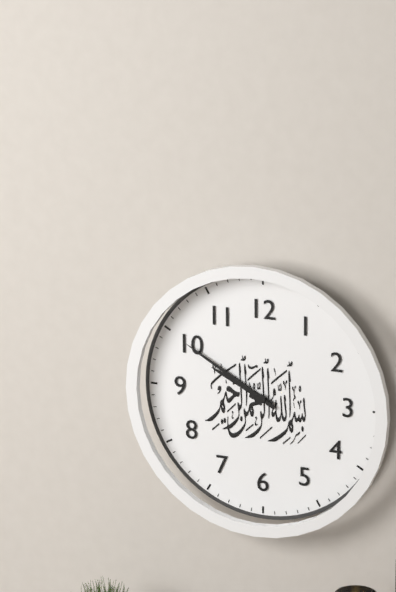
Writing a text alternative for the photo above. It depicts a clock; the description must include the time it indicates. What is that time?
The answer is 9:50
